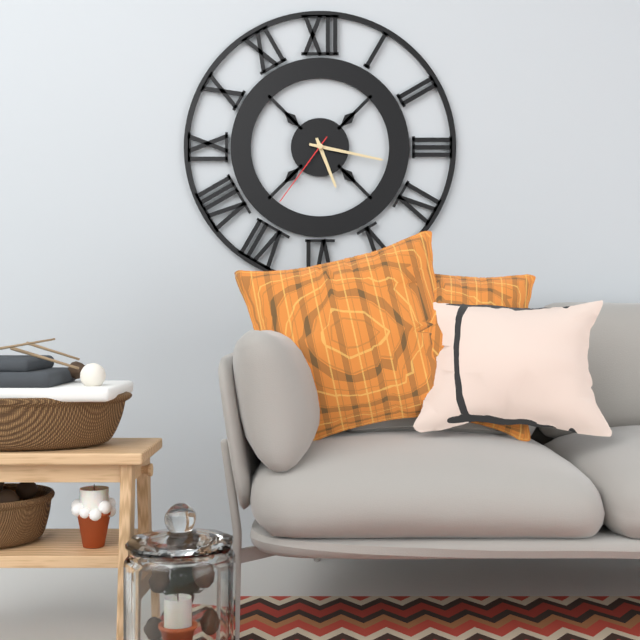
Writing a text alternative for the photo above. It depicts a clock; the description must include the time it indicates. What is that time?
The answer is 5:17:36
